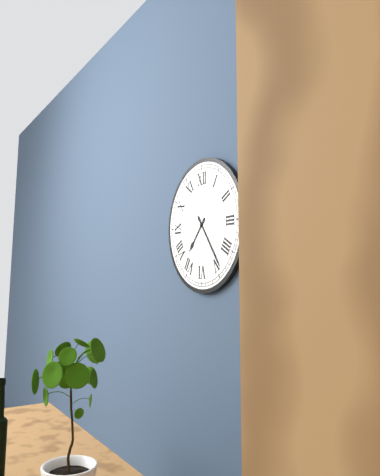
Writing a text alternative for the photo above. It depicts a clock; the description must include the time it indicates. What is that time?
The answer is 7:24
